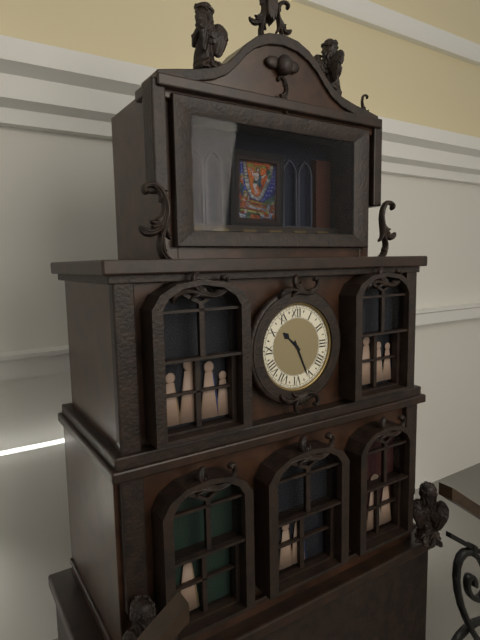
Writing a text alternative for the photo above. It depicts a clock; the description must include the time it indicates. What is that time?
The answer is 10:26
